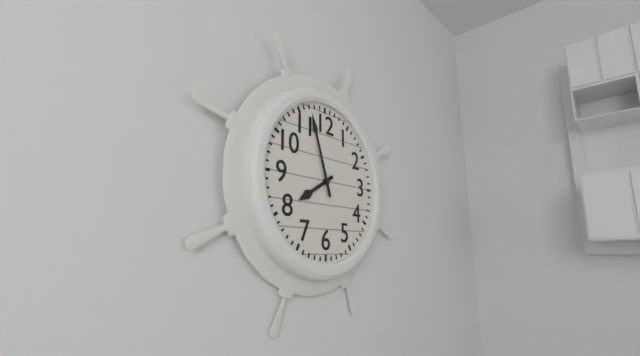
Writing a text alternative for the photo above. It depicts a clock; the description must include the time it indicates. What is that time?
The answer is 7:57
